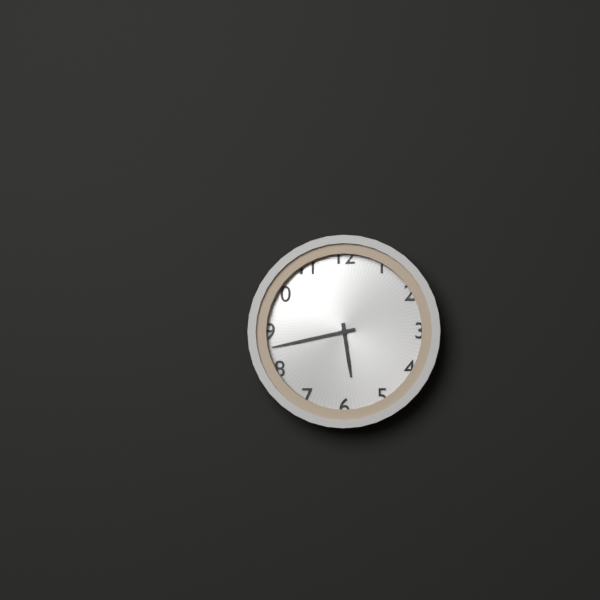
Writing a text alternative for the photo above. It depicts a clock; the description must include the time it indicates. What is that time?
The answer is 5:43
